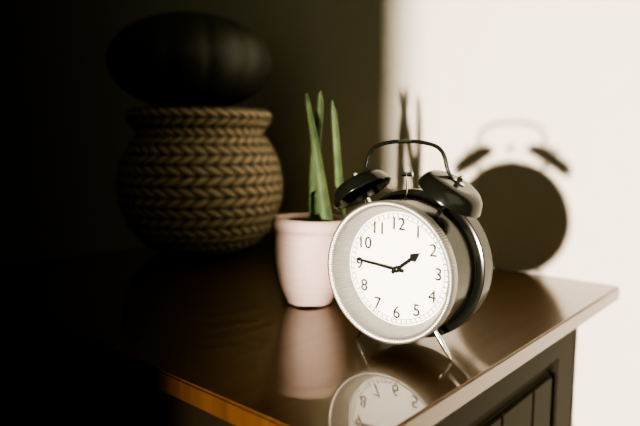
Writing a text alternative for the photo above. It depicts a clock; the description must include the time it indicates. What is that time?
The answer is 1:46
